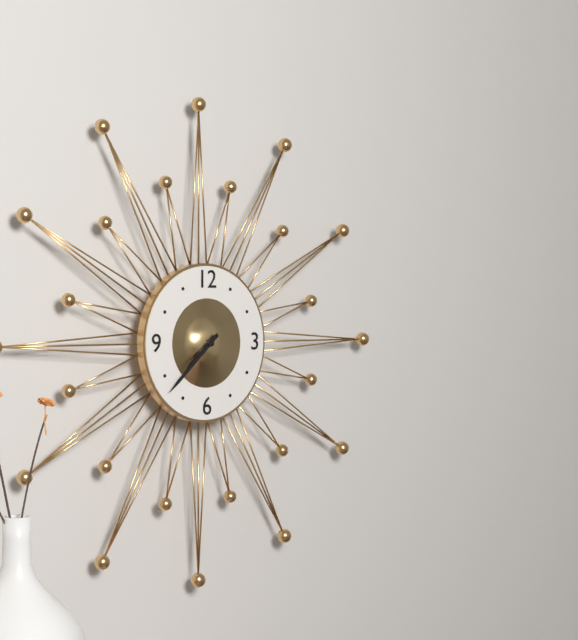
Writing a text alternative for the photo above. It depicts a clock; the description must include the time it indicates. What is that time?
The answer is 7:38
